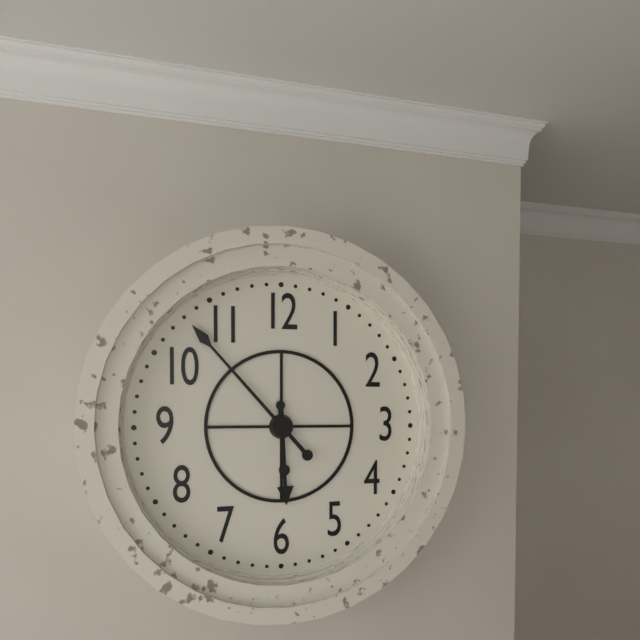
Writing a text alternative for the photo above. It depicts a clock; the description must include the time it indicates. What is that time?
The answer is 5:53
